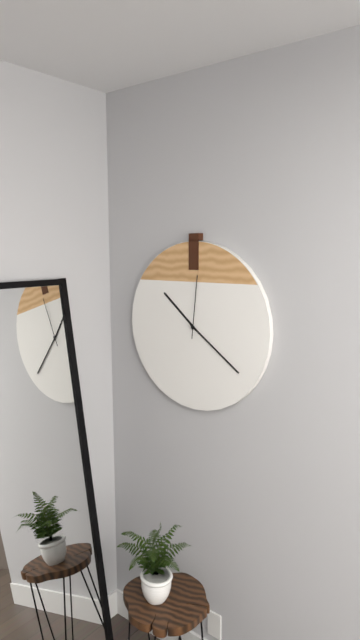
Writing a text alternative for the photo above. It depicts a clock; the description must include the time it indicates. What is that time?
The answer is 10:21:01
